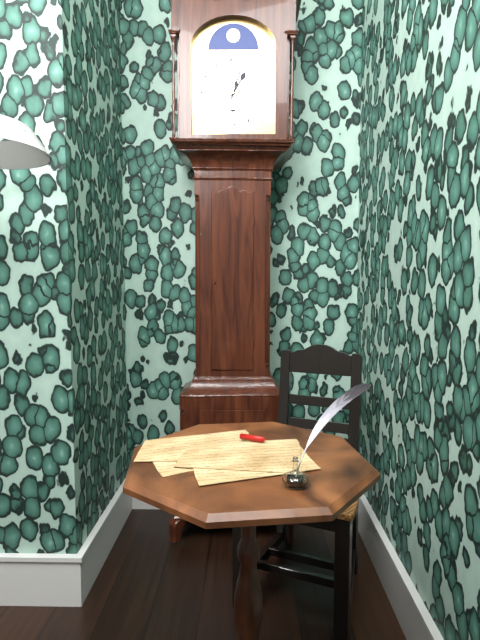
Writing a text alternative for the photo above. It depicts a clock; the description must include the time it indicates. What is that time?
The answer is 1:03
